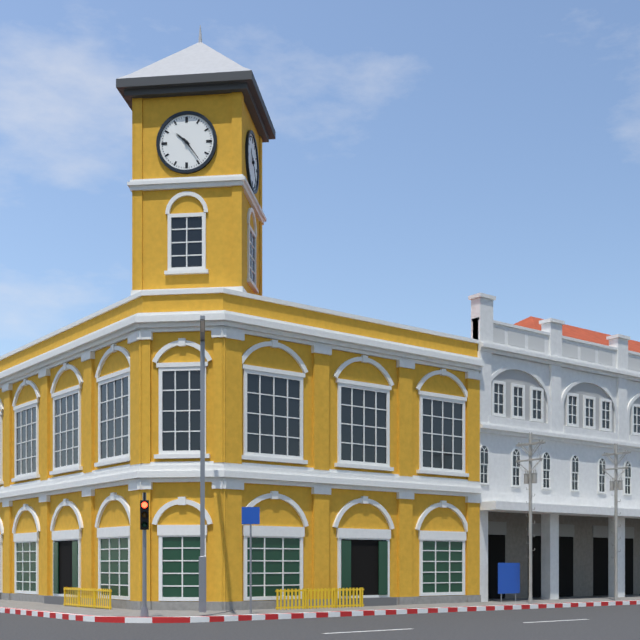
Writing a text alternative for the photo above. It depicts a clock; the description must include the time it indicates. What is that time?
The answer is 10:24
